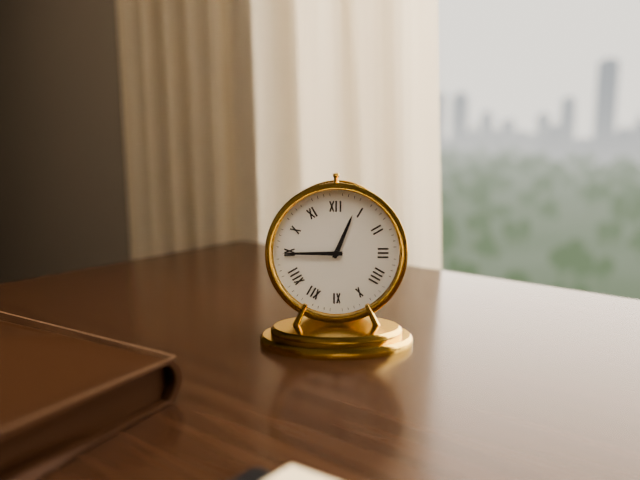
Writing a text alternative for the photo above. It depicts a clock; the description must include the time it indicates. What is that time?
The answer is 12:45
